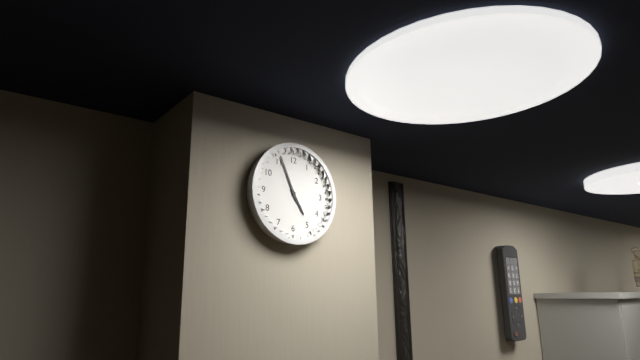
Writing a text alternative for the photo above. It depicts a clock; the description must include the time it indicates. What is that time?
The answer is 4:56
